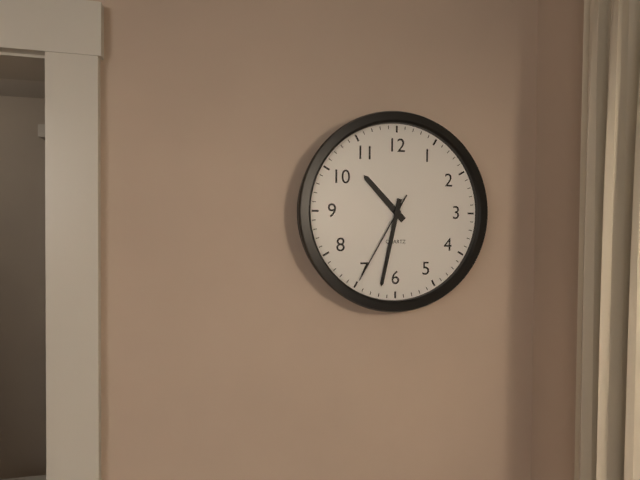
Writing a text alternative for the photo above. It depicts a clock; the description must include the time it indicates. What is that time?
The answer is 10:32:35
